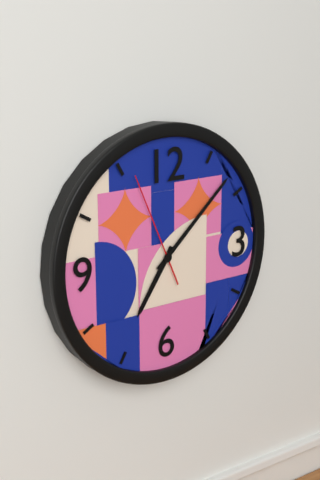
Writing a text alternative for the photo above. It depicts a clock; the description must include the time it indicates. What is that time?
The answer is 7:08:56
